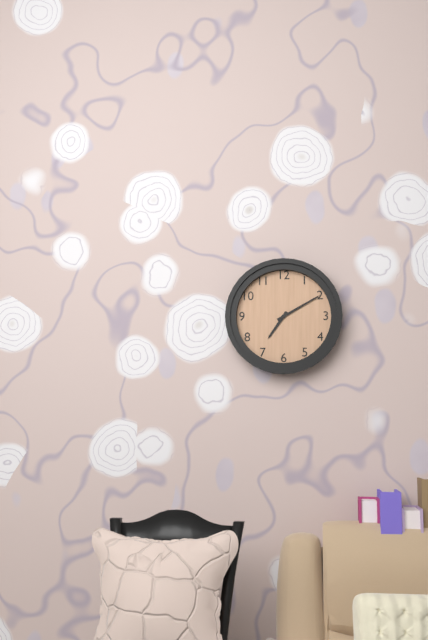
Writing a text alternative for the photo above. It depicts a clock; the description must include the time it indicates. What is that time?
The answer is 7:10
